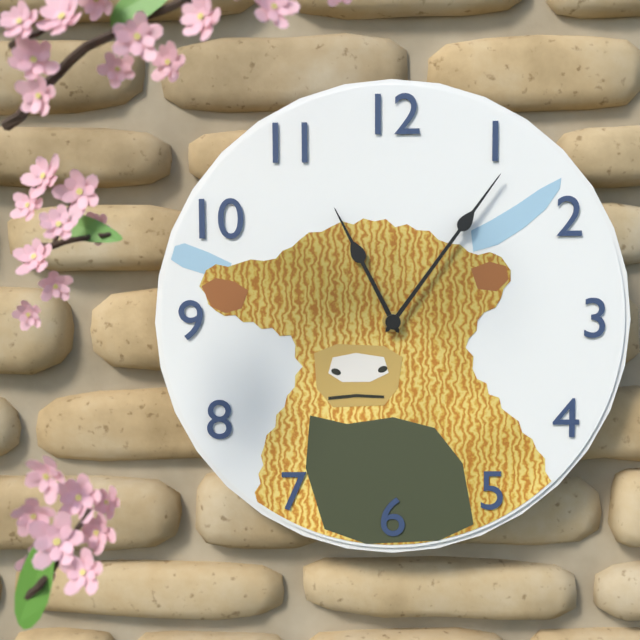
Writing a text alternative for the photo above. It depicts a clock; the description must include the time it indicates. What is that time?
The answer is 11:06
